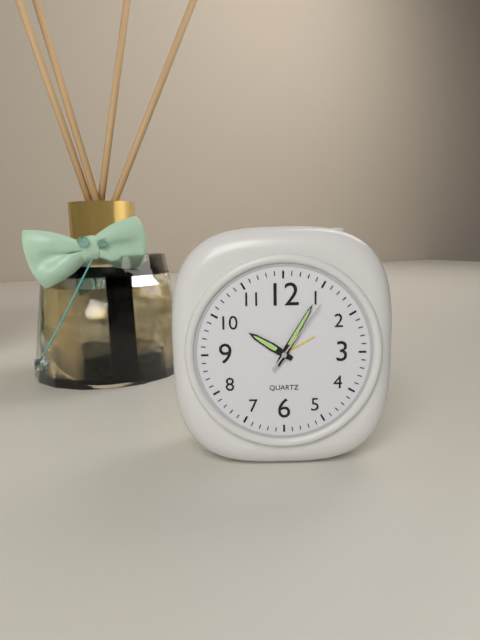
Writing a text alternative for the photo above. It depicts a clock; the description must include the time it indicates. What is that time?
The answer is 10:05:06
